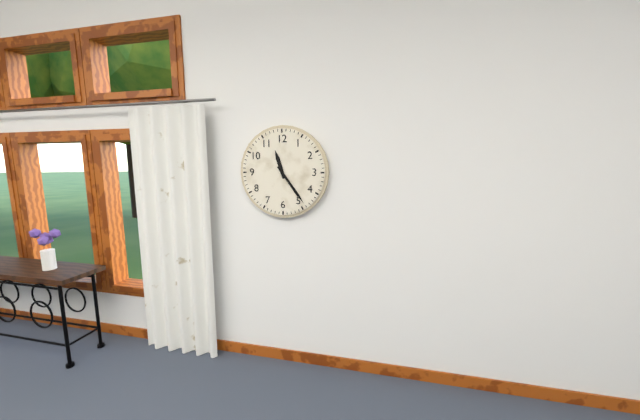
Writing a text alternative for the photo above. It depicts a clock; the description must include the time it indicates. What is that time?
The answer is 11:24
